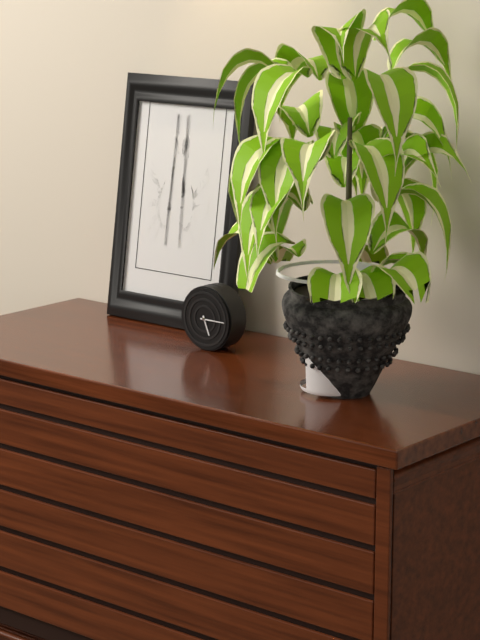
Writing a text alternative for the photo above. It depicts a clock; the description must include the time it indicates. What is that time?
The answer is 5:15
